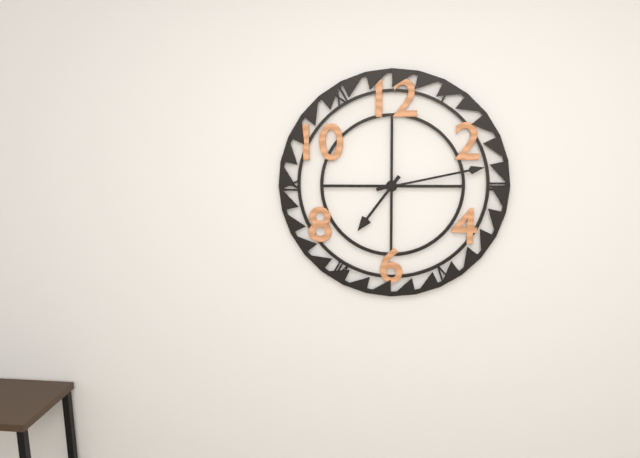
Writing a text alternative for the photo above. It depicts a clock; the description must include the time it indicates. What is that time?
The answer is 7:13
